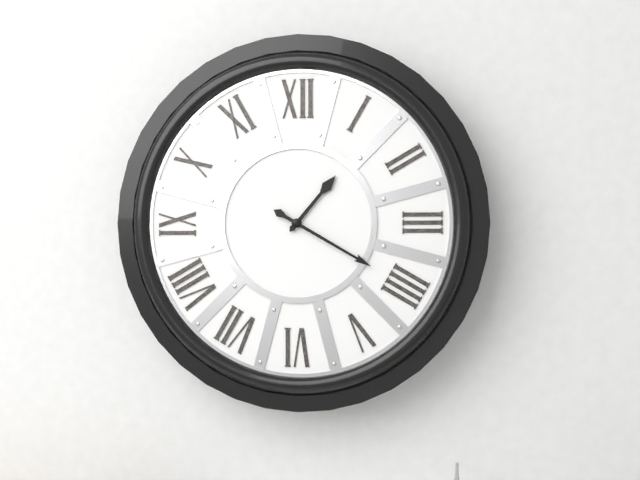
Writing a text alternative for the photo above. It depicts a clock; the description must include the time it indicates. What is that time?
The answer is 1:20
